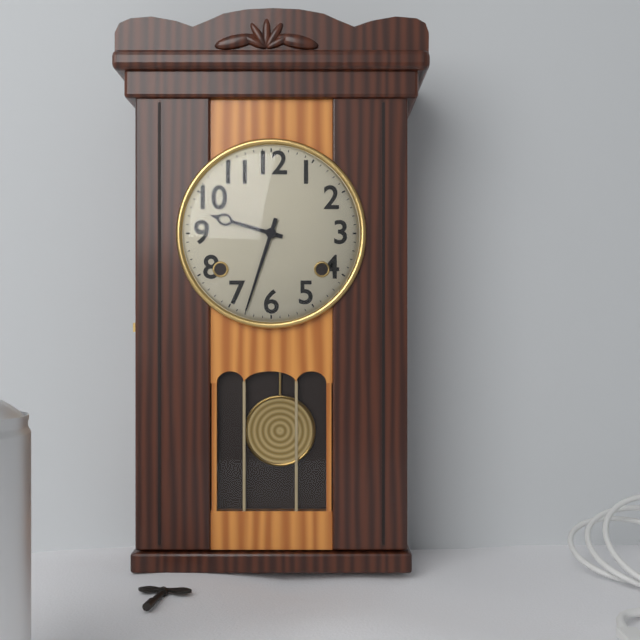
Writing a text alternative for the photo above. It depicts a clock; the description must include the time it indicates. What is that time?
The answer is 9:33
